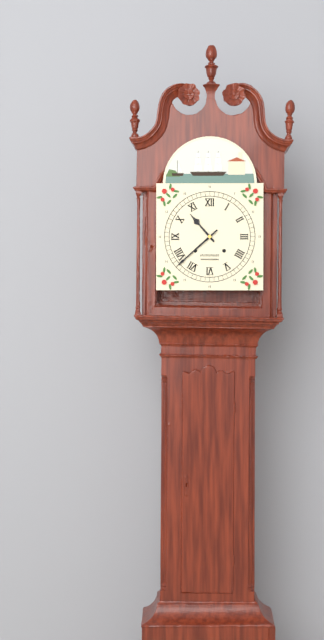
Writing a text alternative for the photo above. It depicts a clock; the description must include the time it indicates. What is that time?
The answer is 10:38
